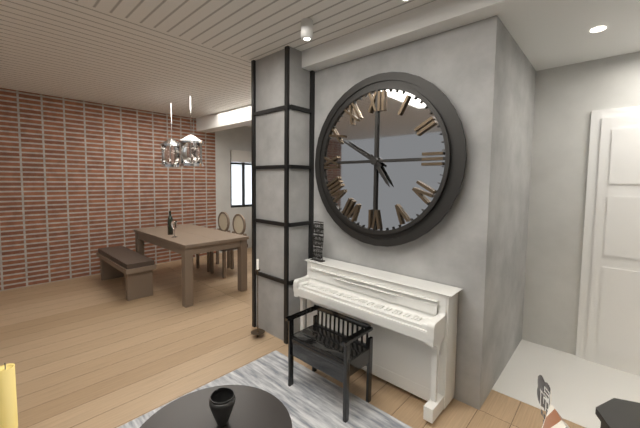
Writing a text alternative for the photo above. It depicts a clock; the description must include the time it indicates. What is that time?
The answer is 4:50
